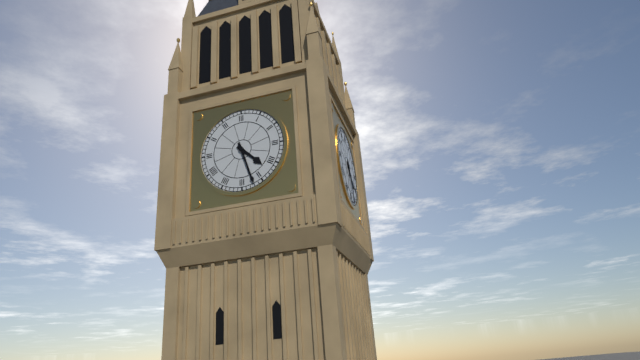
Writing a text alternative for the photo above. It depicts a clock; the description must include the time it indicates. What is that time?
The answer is 4:27
